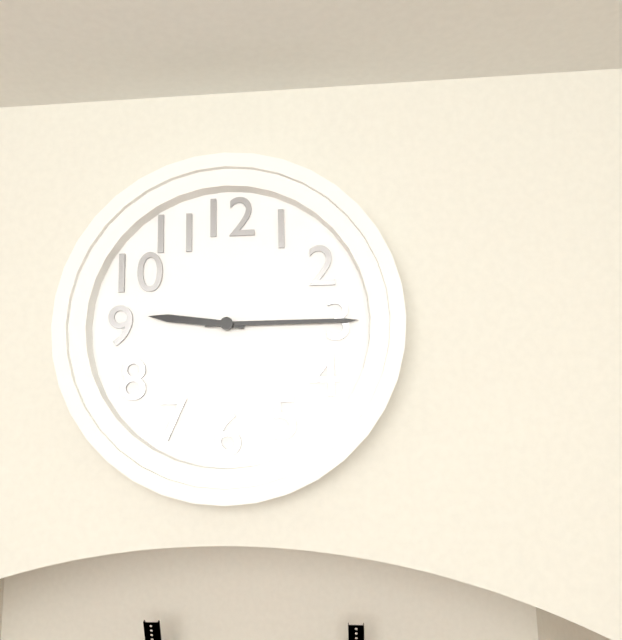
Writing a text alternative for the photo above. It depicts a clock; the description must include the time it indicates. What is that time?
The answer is 9:15
